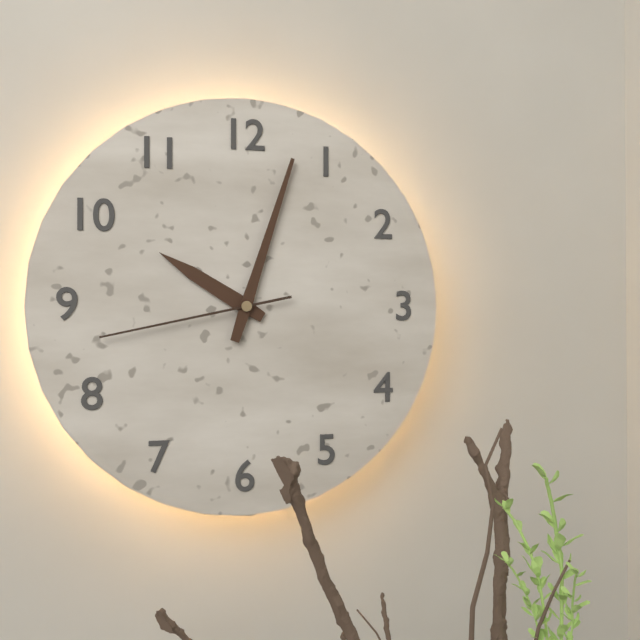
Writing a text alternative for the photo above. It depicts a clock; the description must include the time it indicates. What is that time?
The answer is 10:03:43
